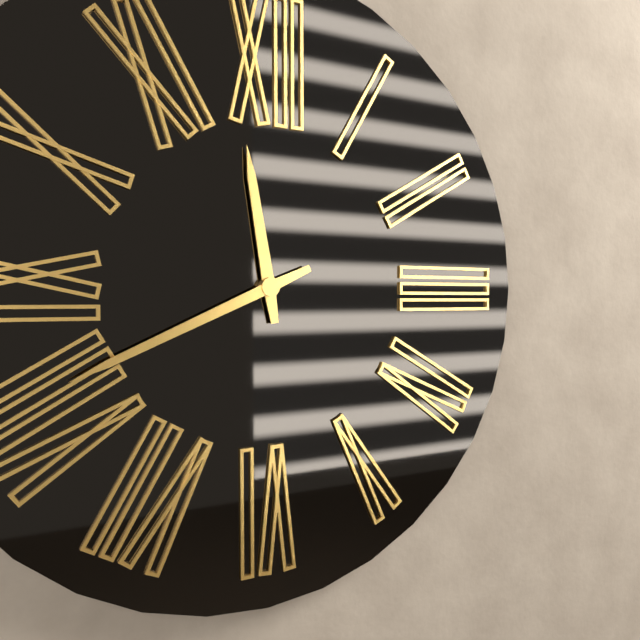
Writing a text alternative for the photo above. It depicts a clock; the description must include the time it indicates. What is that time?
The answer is 11:41
